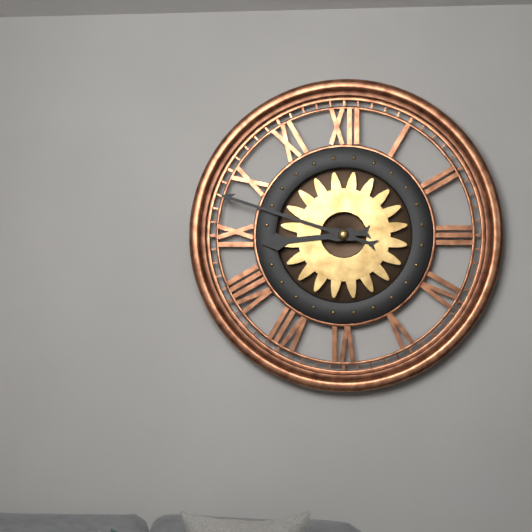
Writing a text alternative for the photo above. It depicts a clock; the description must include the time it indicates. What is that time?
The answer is 8:48
